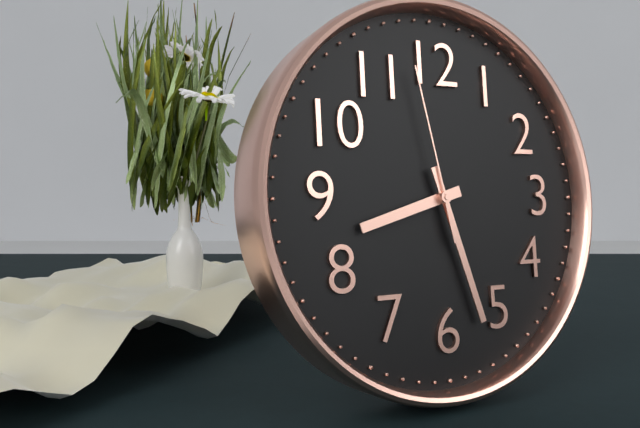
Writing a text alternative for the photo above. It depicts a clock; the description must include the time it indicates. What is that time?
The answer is 8:27:58
